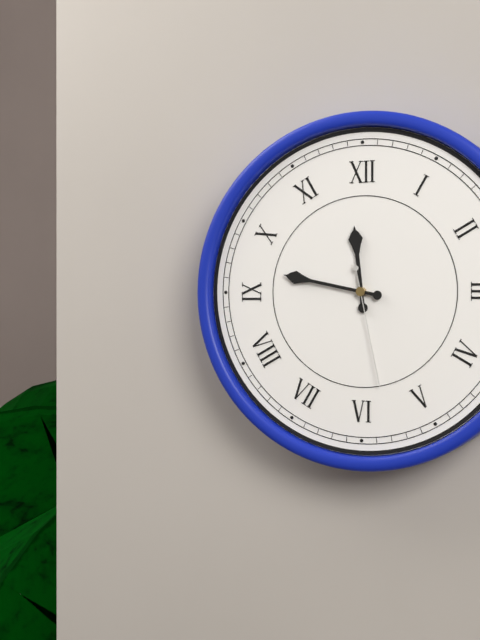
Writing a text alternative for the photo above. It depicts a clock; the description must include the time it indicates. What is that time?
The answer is 11:47:28
